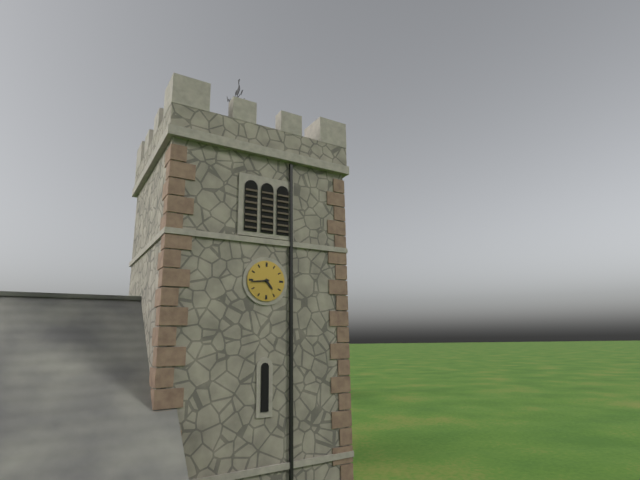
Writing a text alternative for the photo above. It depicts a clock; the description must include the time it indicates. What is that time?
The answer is 4:44
